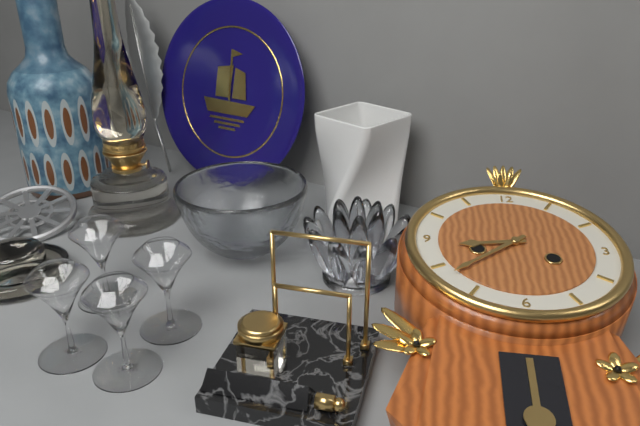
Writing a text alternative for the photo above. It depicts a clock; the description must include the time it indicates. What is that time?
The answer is 8:38
